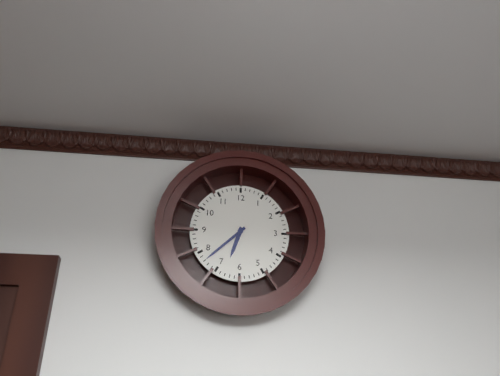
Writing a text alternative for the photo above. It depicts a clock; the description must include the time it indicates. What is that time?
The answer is 6:38
